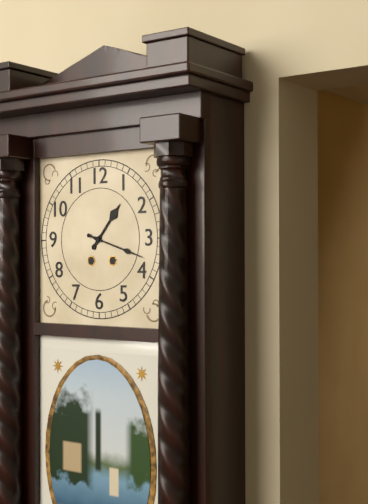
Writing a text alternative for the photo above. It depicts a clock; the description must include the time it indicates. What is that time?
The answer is 1:18
